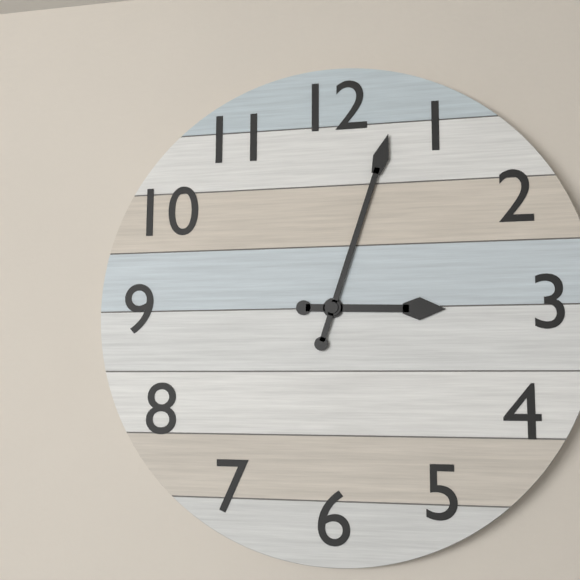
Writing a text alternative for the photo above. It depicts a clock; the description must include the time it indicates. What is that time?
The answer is 3:03
